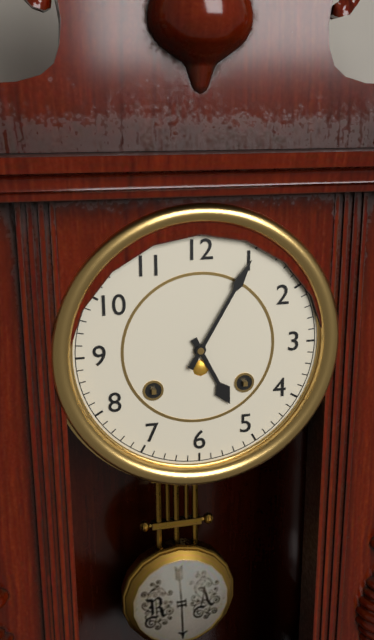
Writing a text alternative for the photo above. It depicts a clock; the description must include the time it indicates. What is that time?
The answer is 5:05
